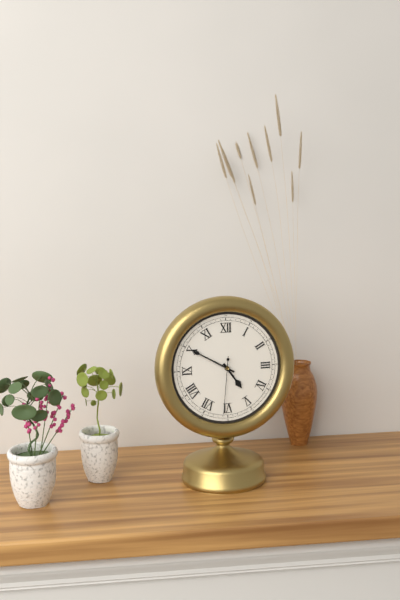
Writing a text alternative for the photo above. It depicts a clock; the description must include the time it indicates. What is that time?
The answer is 4:50:31
